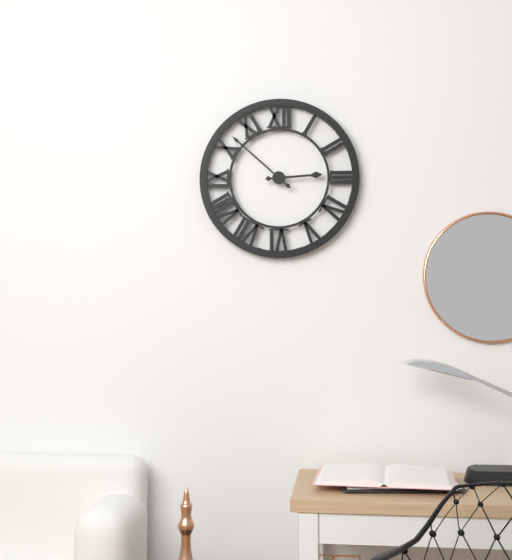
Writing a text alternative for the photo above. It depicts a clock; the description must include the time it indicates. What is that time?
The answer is 2:52
